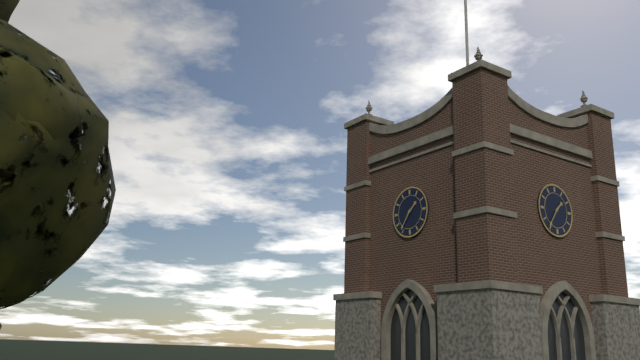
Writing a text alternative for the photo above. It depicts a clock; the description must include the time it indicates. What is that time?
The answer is 1:36
